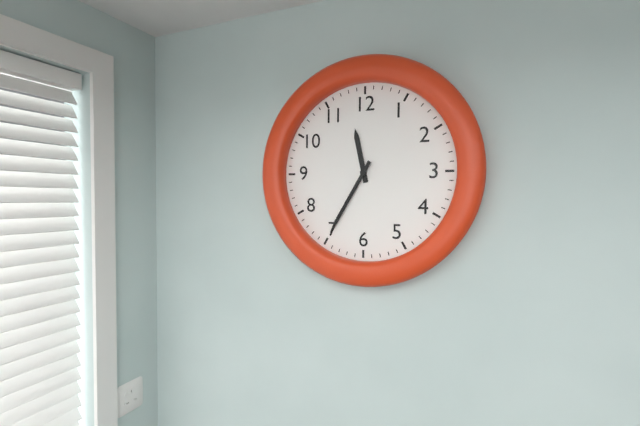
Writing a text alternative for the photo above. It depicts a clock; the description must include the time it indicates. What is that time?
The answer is 11:35
